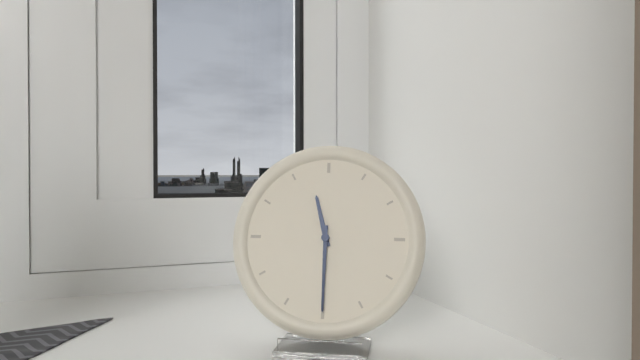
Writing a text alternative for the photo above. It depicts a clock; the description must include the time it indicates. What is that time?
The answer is 11:30
